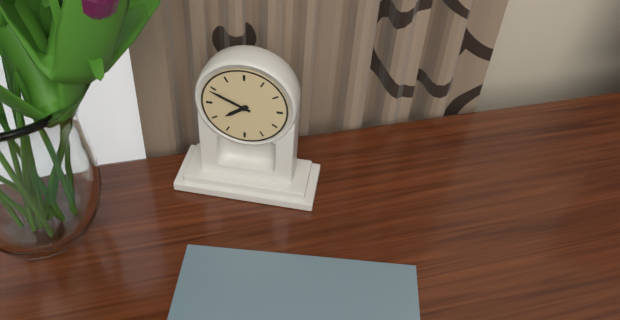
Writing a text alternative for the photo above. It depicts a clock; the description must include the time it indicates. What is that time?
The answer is 7:49
